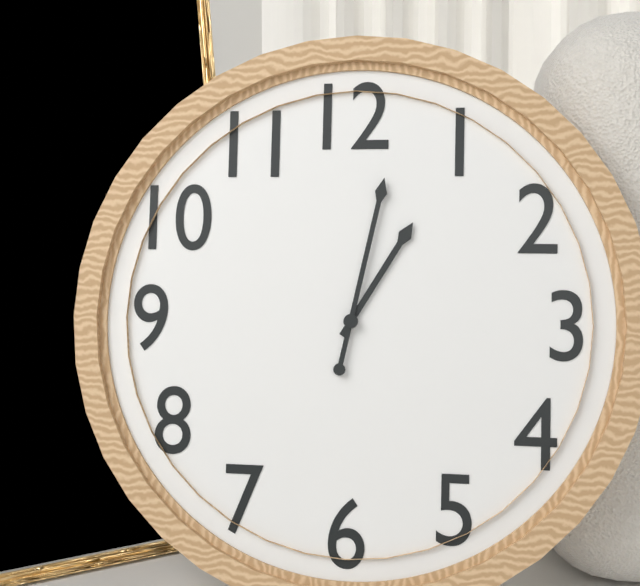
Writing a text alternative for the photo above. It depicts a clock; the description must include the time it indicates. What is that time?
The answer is 1:02
